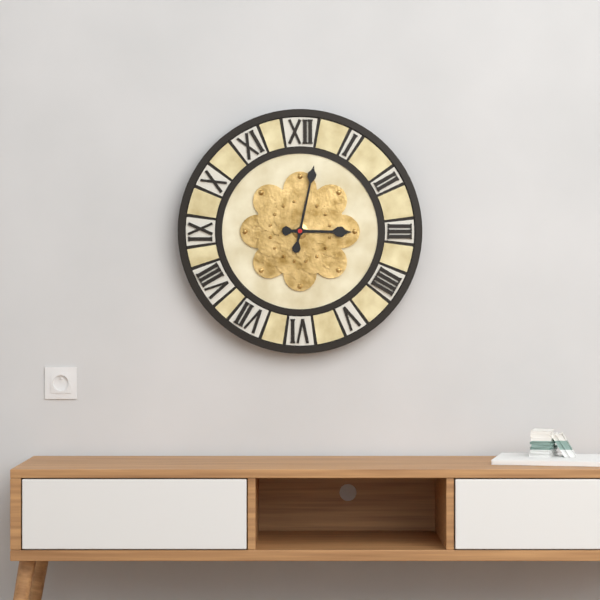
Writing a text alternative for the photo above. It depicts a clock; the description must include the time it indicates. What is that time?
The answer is 3:02
